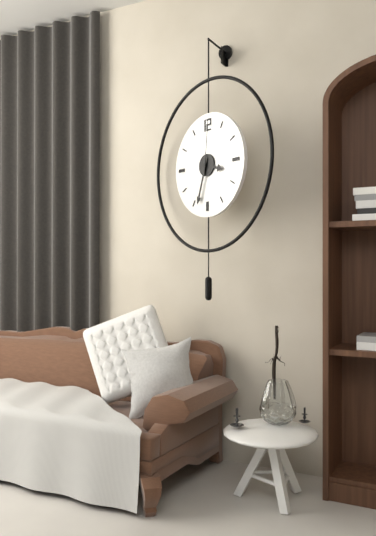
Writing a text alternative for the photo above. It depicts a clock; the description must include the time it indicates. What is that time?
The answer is 3:33:01
